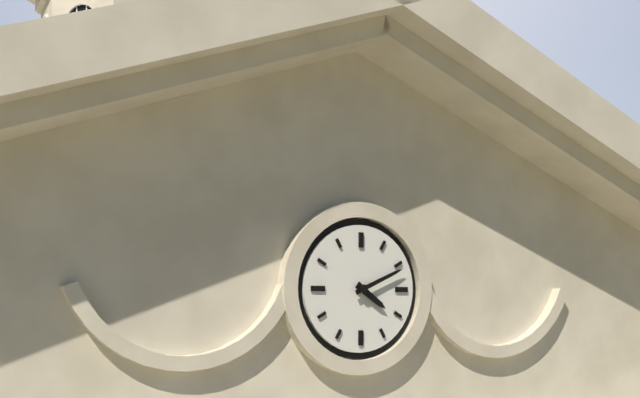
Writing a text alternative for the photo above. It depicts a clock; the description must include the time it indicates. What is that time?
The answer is 4:11
